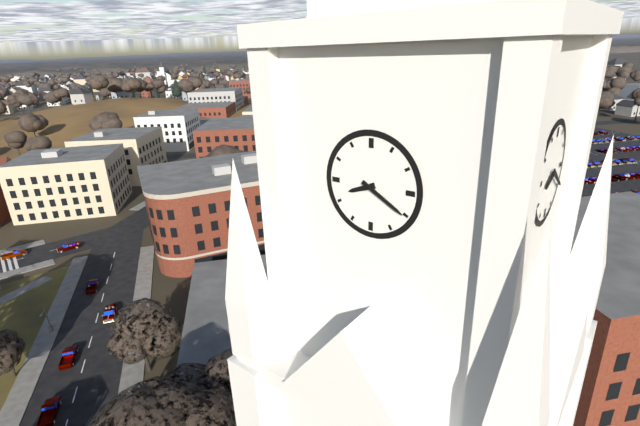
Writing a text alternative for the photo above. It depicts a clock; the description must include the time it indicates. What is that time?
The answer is 8:20
